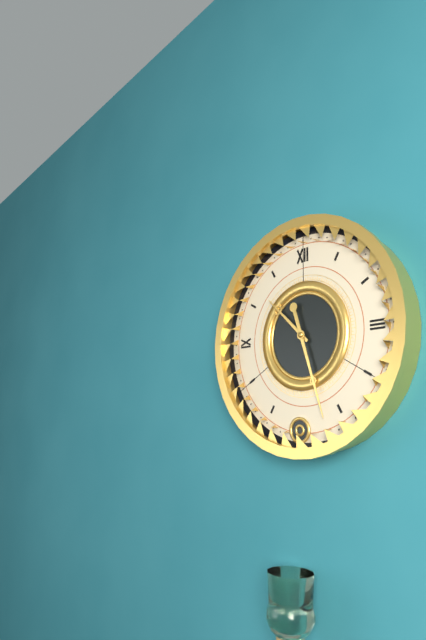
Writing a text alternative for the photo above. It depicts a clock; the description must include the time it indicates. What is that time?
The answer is 10:27
